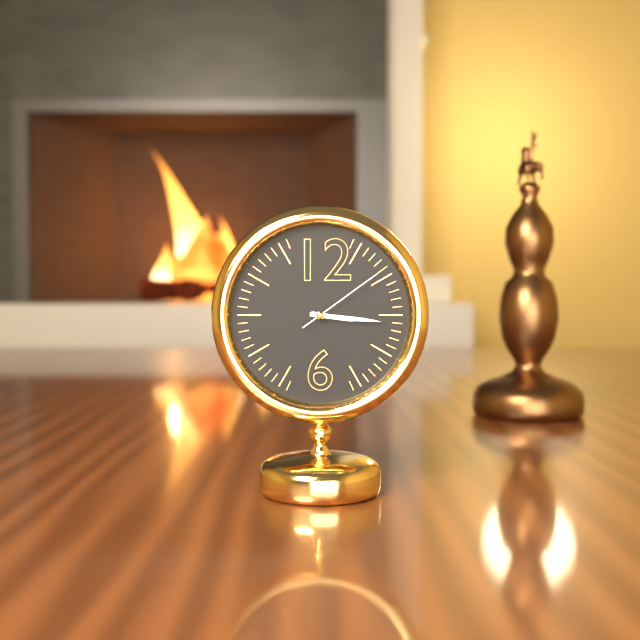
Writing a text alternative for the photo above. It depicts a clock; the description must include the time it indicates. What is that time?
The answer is 3:16:09
